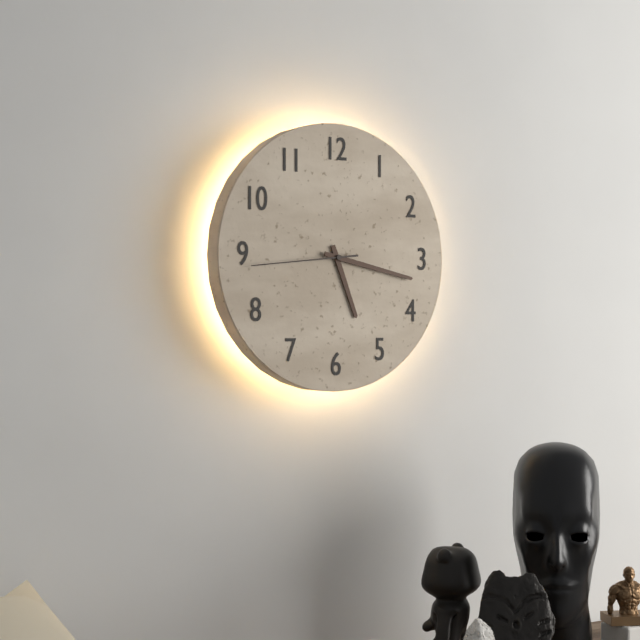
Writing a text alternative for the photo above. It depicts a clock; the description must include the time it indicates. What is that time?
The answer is 5:17:44
